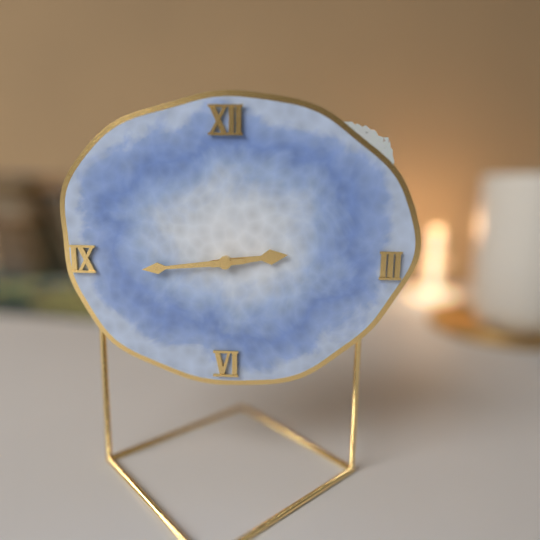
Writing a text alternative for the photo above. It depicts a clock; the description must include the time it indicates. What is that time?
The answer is 2:44
